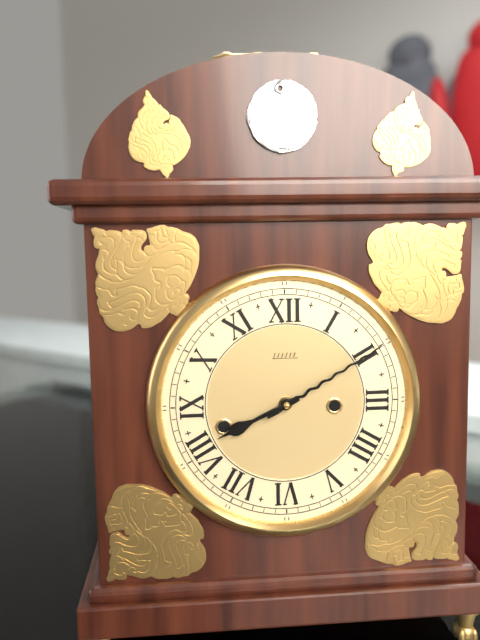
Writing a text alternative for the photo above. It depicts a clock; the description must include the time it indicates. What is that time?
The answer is 8:10
